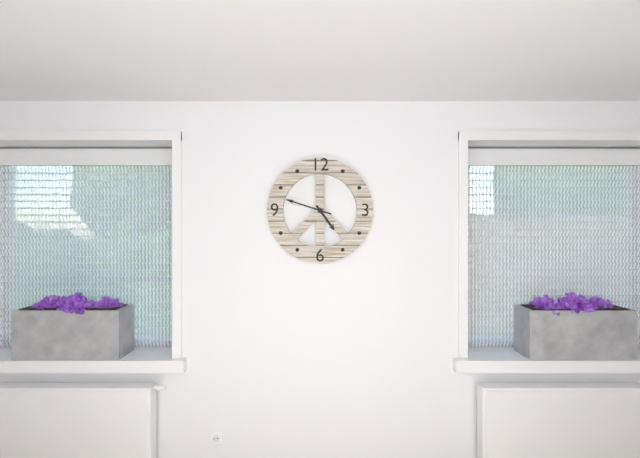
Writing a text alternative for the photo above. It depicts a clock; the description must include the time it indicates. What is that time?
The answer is 4:48
